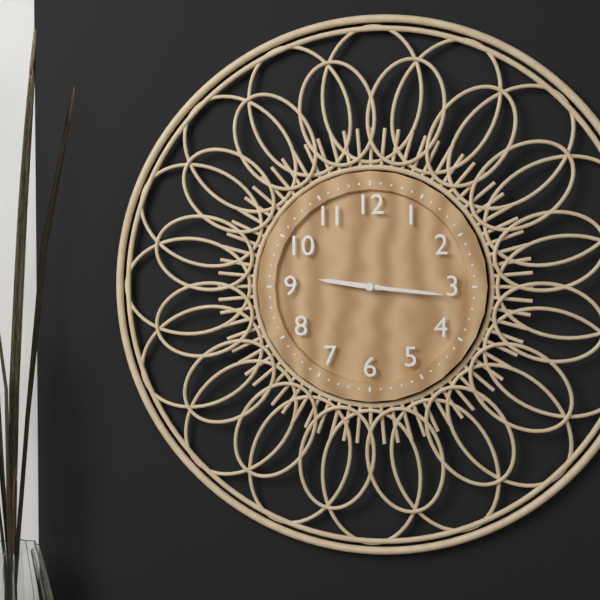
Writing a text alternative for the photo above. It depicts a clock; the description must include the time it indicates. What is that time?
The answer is 9:16
